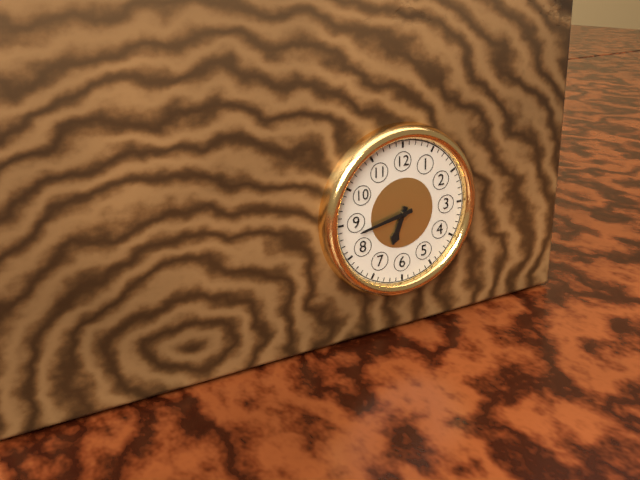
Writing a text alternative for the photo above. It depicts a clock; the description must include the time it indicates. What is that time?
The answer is 6:43
